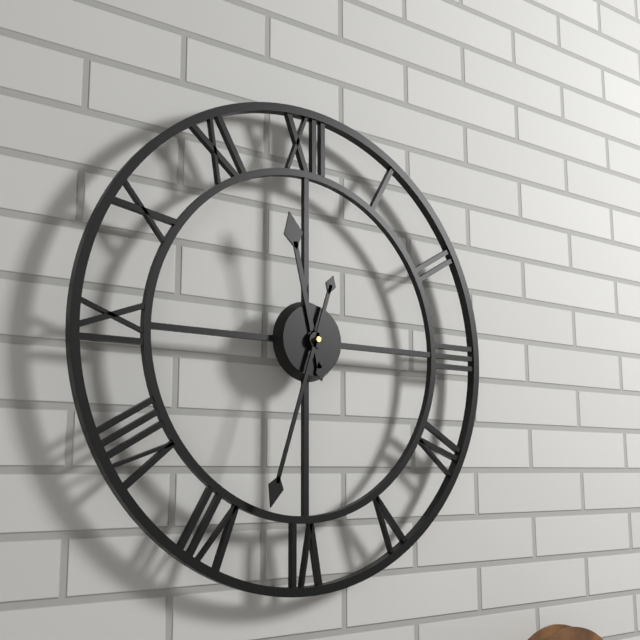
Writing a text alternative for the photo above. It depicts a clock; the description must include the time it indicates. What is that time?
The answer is 11:33
